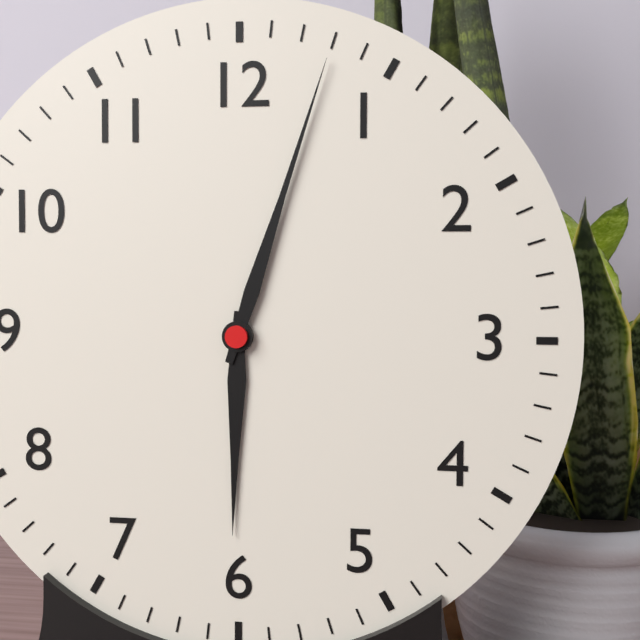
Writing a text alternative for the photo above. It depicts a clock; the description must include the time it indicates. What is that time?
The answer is 6:03
